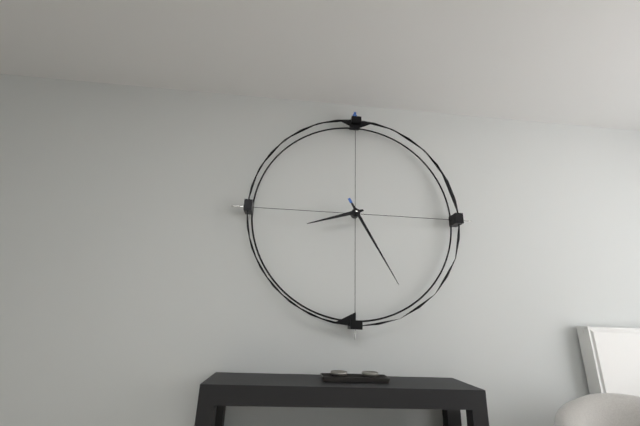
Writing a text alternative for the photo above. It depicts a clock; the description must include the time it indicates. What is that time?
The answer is 8:25
